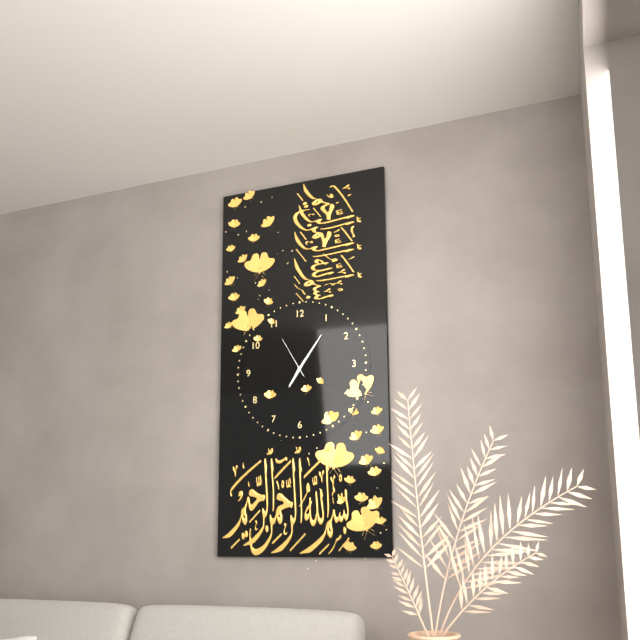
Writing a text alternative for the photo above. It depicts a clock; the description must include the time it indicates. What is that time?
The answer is 7:06
